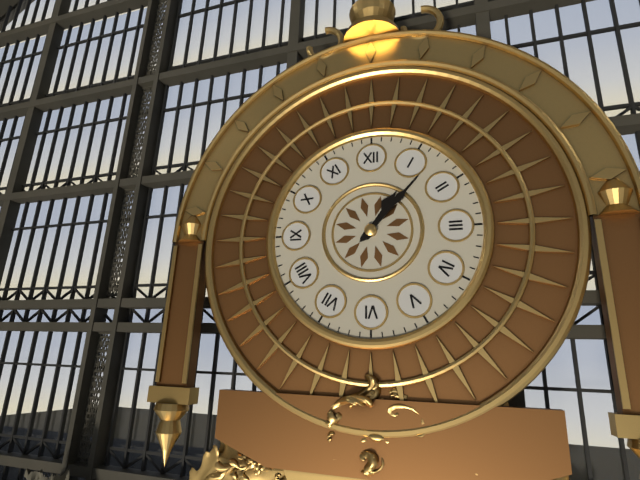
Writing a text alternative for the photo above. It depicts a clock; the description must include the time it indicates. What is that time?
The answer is 1:07
